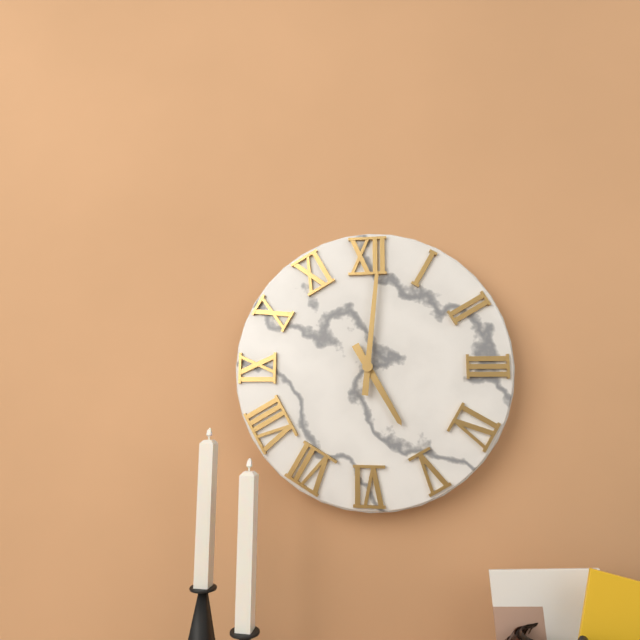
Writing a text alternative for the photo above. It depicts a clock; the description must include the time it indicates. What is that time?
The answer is 5:01
